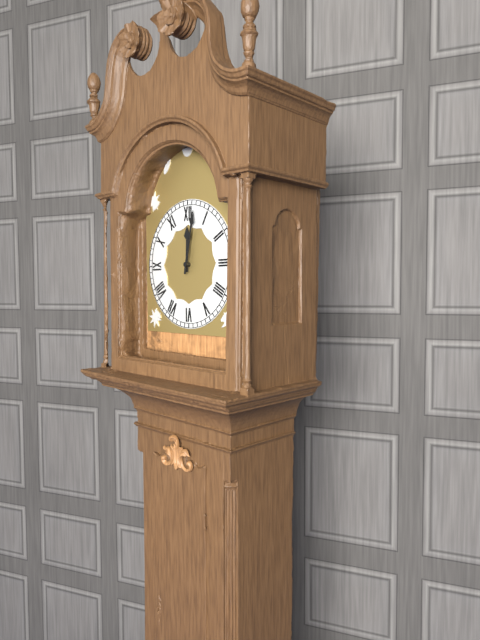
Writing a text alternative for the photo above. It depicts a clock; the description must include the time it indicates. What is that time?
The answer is 12:02
